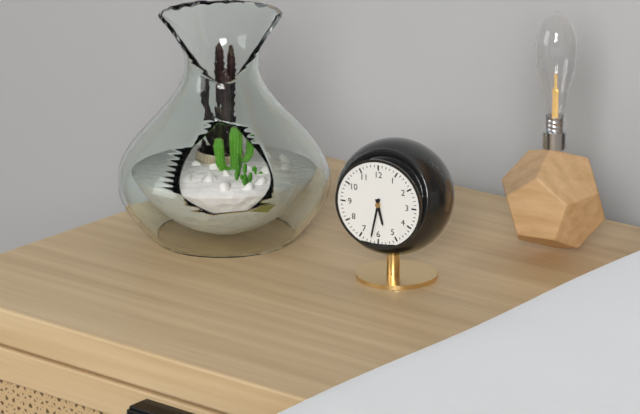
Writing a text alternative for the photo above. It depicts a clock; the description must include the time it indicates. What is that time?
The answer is 5:32
